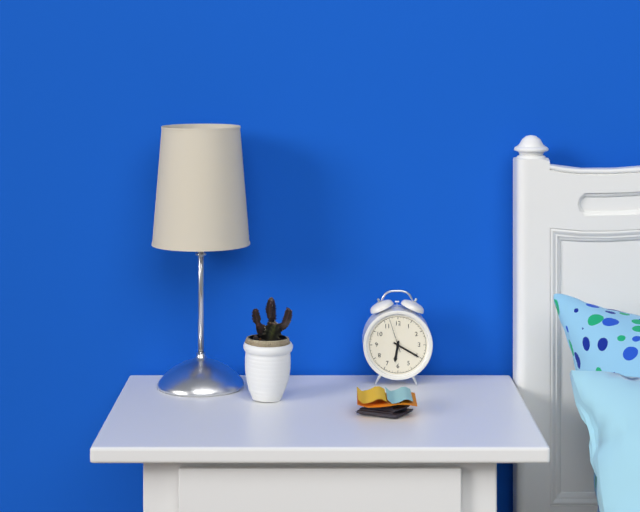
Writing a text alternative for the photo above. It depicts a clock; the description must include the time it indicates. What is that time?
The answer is 6:20
